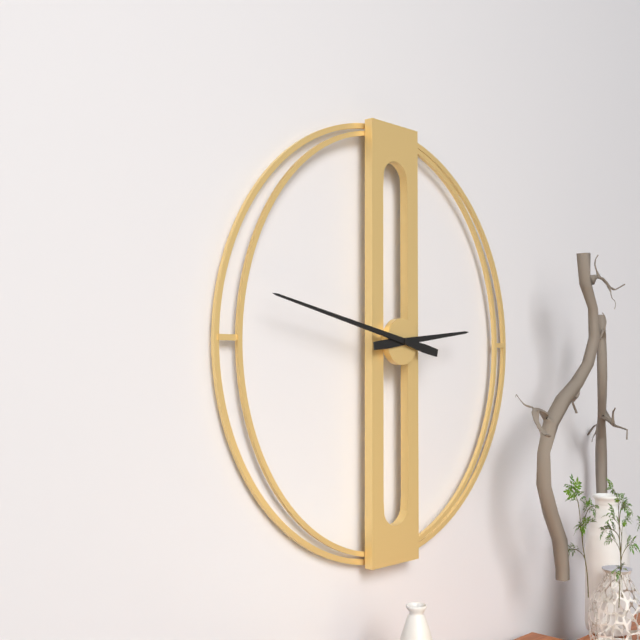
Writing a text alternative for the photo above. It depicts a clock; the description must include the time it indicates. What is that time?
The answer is 2:47
